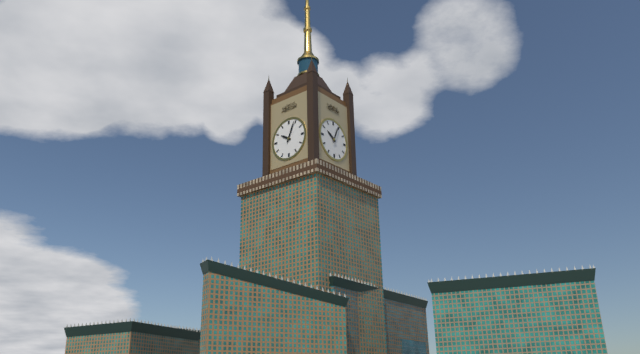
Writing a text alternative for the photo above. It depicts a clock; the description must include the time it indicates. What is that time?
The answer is 10:04
